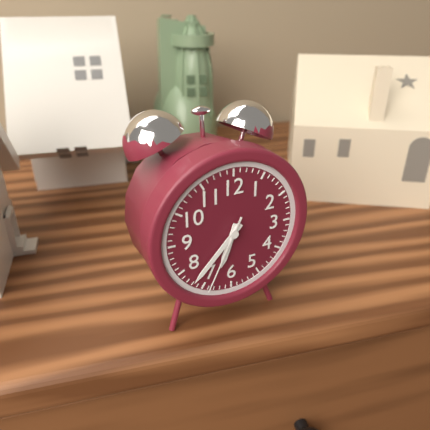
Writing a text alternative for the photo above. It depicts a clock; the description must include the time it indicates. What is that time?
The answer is 6:37:34
